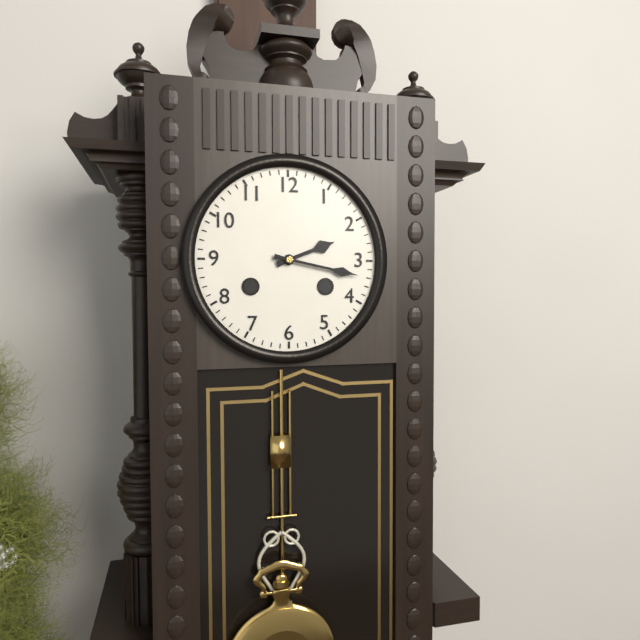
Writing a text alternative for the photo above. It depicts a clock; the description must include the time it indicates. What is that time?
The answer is 2:17
